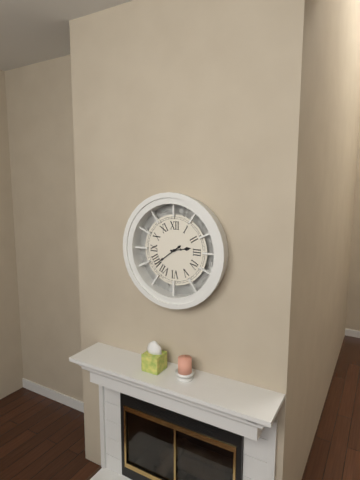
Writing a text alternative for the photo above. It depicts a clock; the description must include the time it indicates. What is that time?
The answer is 2:39
